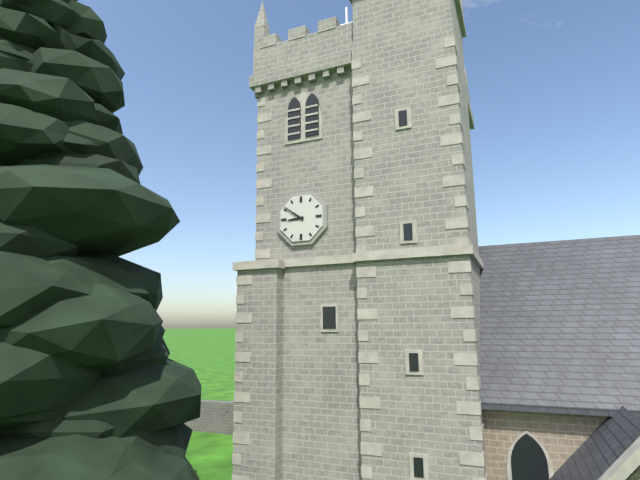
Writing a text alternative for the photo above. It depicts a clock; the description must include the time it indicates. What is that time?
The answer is 8:51
